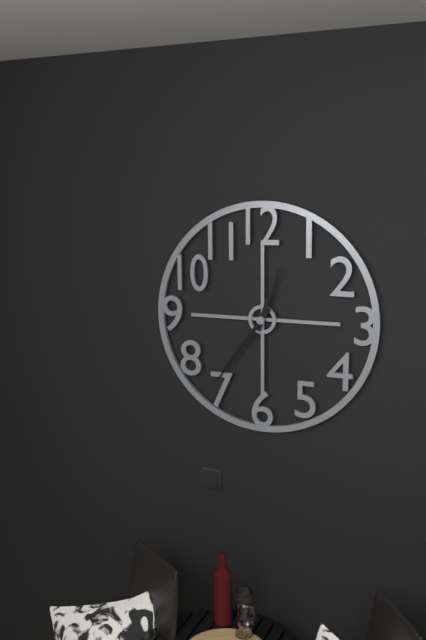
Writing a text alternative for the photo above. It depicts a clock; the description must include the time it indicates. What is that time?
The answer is 12:36
